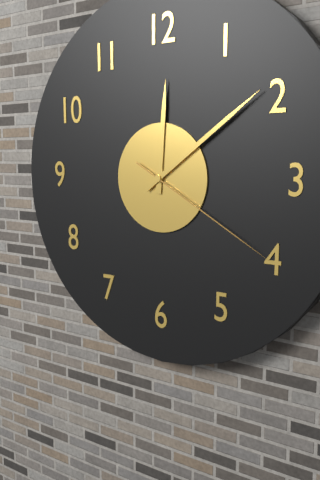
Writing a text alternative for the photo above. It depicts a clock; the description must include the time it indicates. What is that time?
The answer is 12:09:20
